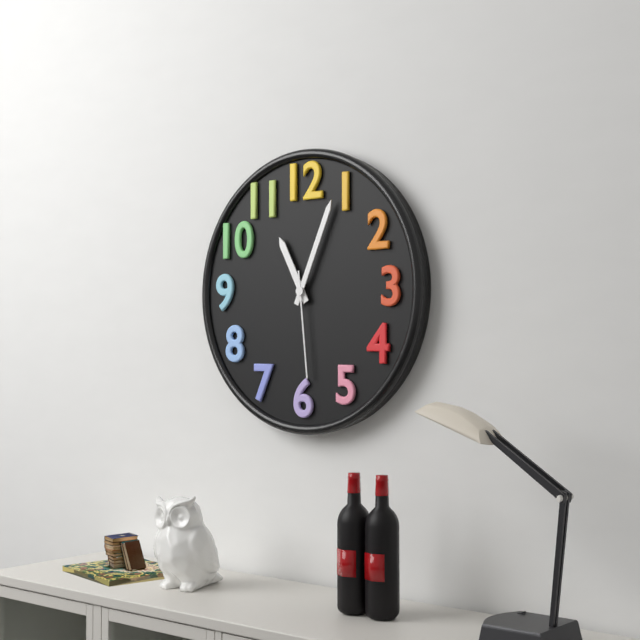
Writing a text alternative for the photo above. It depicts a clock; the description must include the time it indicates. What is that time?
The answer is 11:04:29
